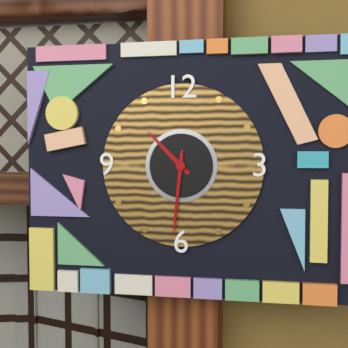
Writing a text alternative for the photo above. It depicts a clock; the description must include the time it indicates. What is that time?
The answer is 10:31
